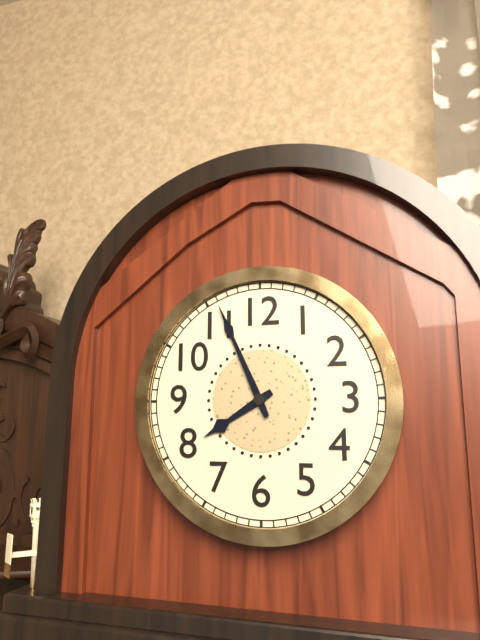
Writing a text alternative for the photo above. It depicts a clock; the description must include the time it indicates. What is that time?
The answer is 7:56
